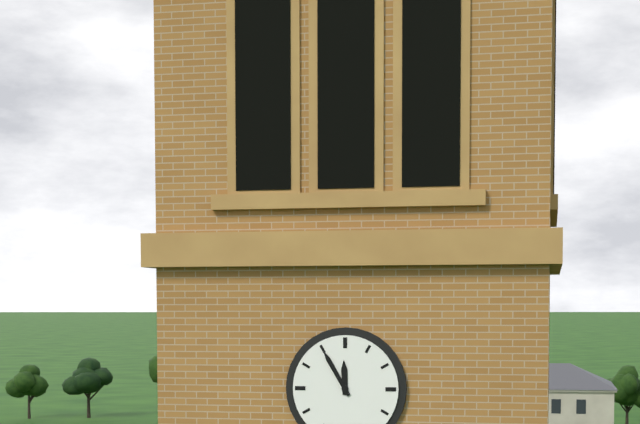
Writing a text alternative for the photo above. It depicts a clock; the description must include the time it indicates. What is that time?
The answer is 11:55
